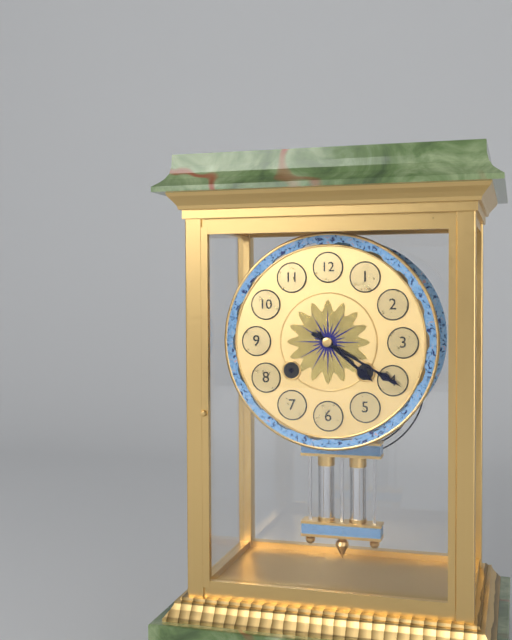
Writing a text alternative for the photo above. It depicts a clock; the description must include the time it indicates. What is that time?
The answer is 4:20
